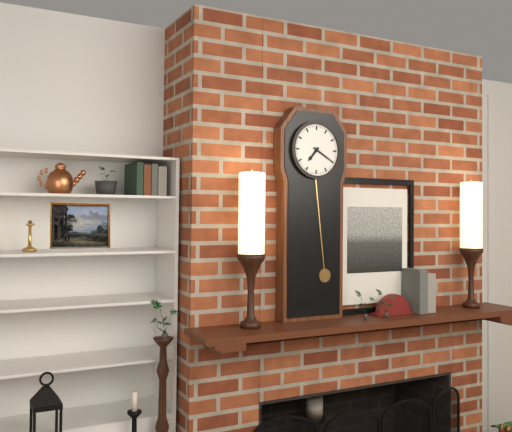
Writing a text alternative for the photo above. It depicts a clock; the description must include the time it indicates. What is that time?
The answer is 7:20
